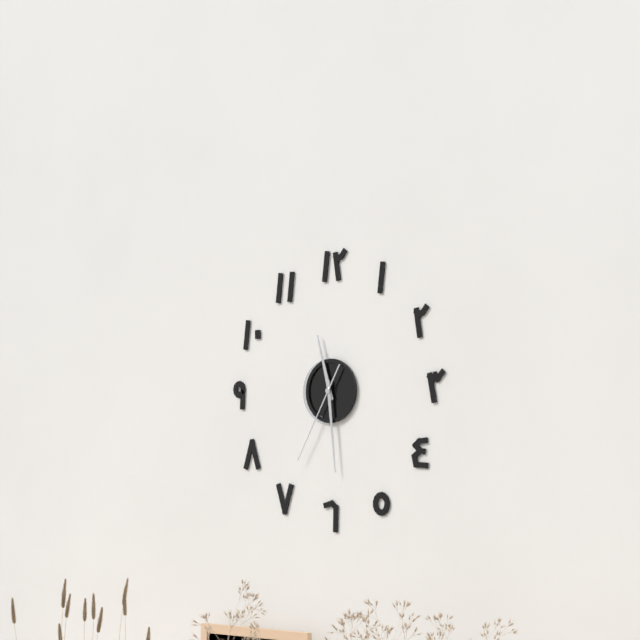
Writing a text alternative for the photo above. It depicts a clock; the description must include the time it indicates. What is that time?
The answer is 11:29:35
